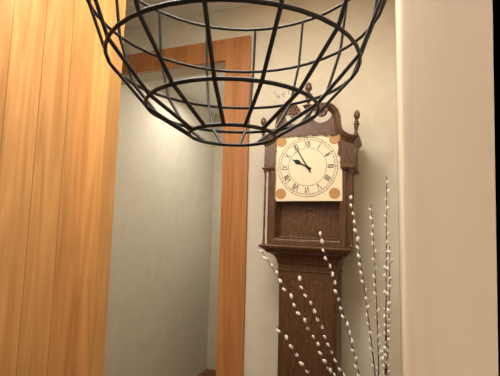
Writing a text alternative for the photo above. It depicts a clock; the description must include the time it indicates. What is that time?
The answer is 9:55
